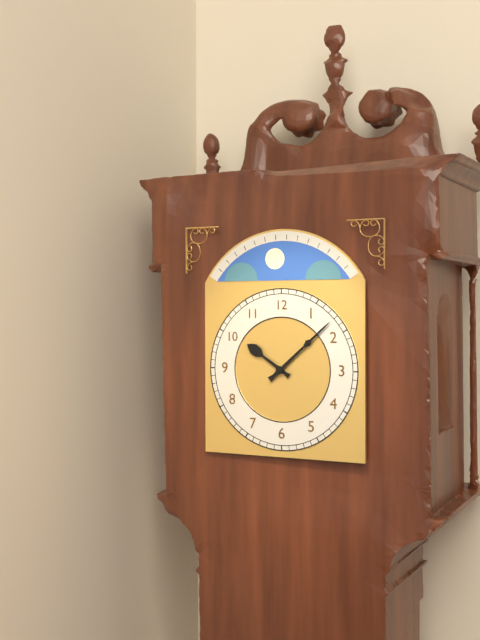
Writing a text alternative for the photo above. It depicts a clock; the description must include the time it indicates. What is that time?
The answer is 10:08
